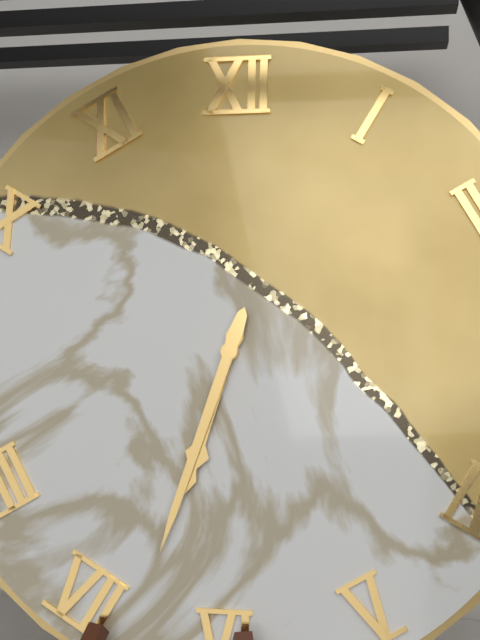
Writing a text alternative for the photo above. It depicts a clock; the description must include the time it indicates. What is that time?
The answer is 6:33
